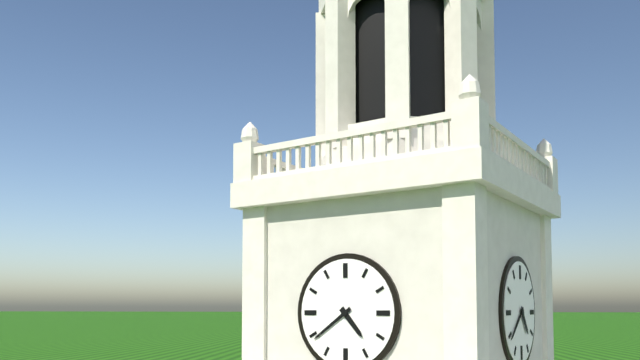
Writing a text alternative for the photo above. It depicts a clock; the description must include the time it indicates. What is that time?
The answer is 4:39
